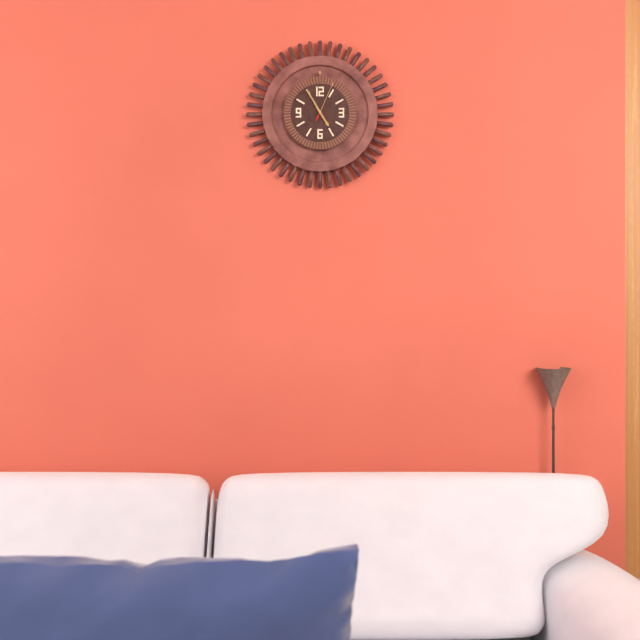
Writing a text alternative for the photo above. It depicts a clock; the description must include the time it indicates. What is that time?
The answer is 4:55
